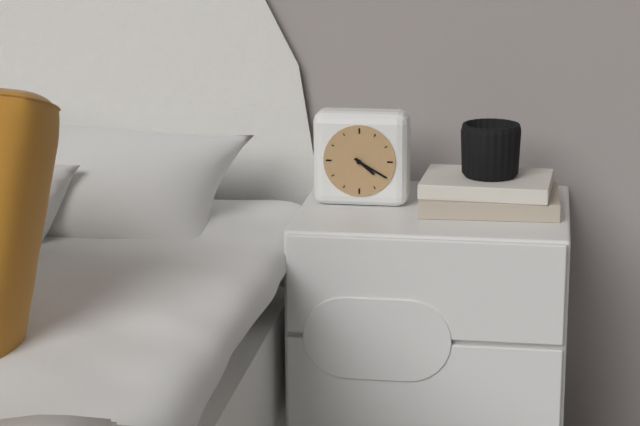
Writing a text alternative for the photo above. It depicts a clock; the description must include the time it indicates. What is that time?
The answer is 4:20
